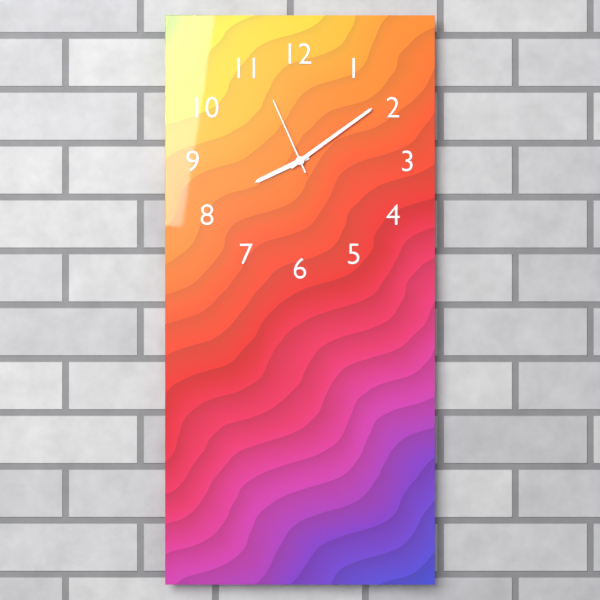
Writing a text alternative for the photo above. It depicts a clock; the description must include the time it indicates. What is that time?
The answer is 8:09:56
